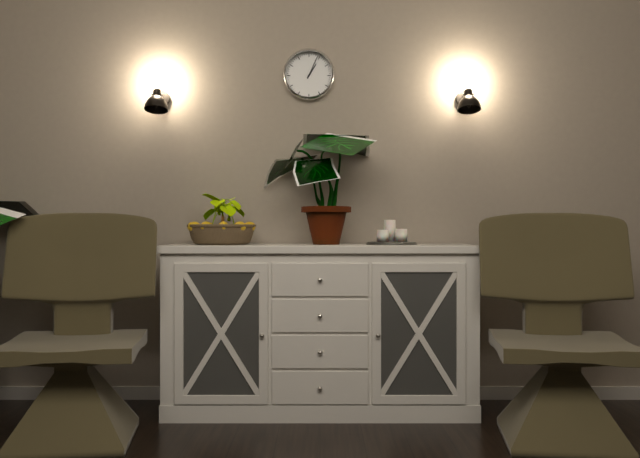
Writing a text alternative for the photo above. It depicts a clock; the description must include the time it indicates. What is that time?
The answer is 1:04
